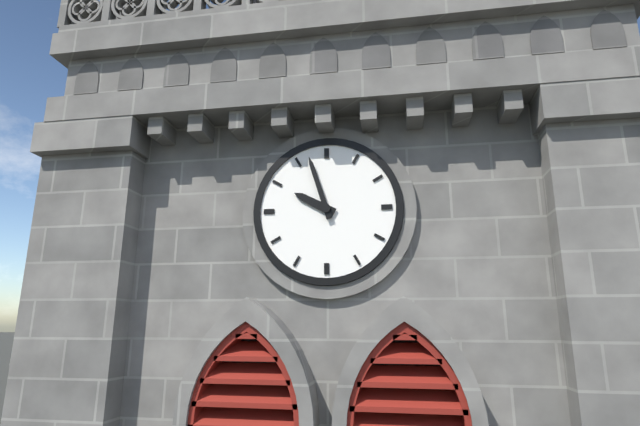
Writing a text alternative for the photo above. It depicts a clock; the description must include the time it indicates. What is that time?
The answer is 9:57
